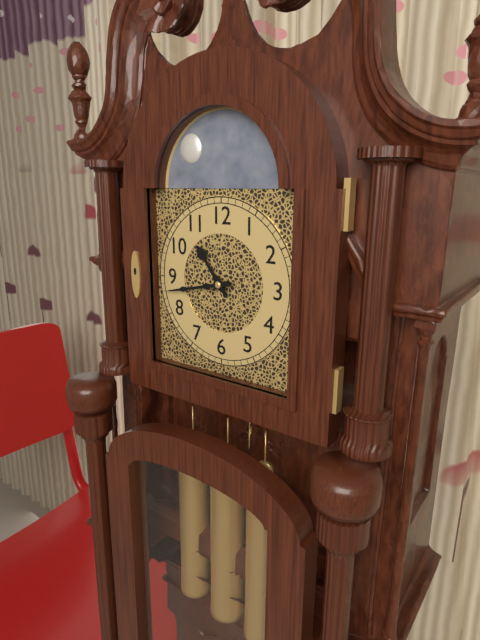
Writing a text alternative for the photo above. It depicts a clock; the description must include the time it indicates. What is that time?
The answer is 10:43
